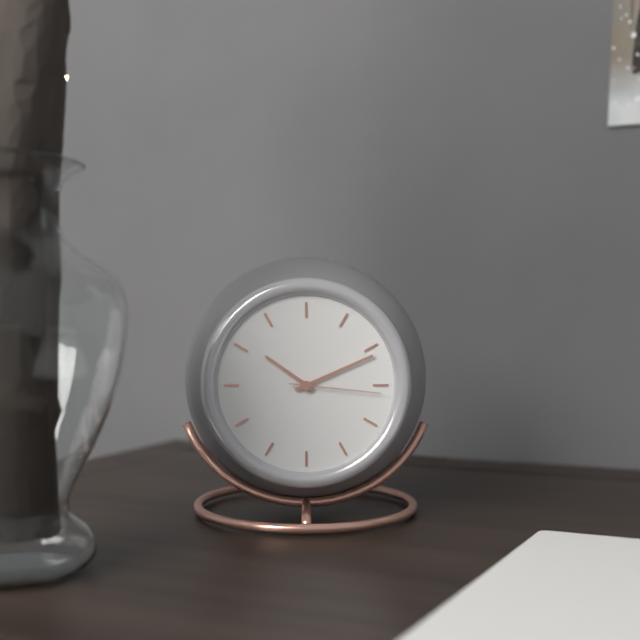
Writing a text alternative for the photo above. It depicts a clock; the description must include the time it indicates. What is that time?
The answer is 10:11:16
